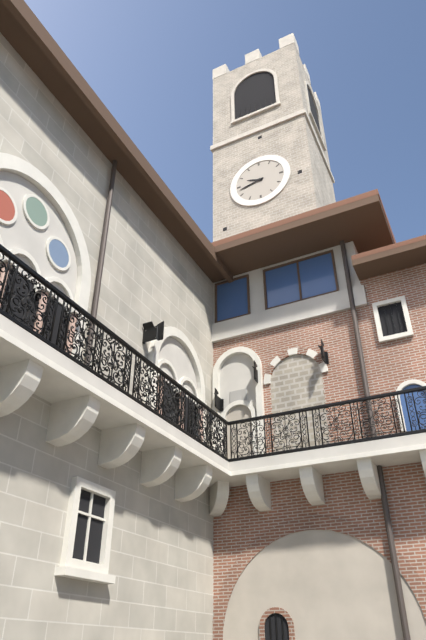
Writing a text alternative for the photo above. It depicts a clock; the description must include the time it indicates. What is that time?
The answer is 9:43
